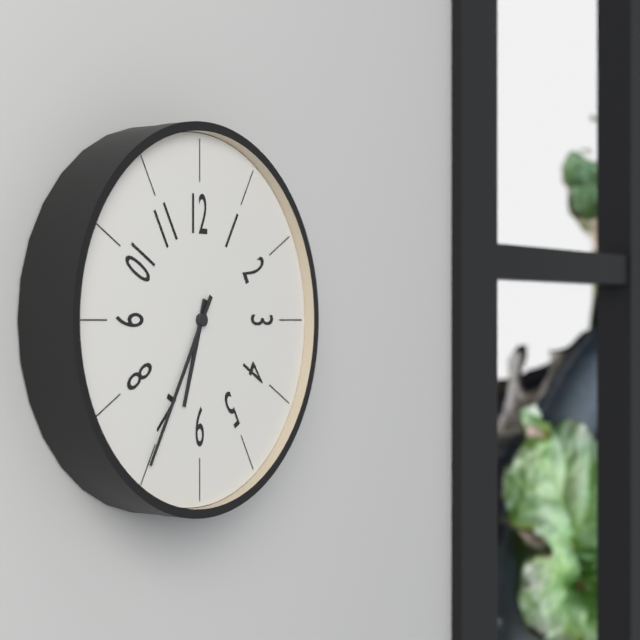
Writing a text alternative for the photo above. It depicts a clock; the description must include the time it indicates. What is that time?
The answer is 6:35
